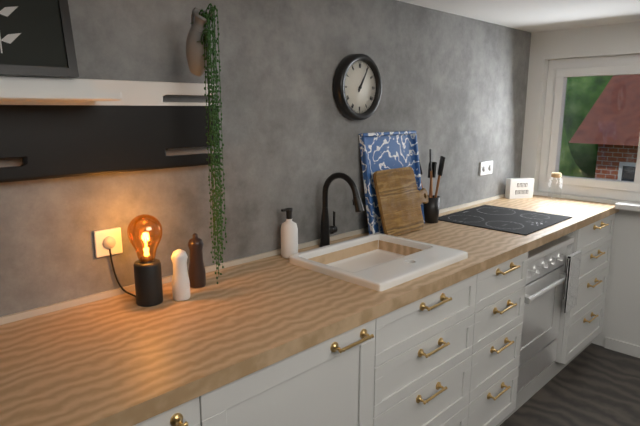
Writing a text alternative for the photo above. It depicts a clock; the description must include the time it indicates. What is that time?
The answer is 1:05
